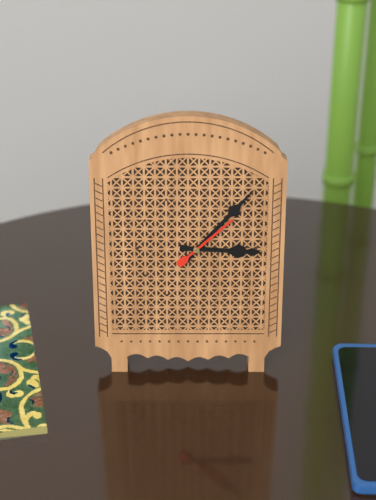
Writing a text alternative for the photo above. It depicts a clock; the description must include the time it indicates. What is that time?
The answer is 3:07:08
